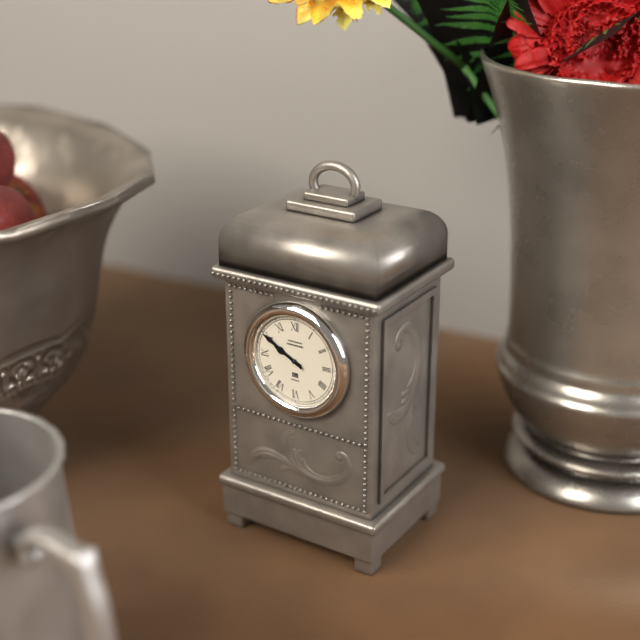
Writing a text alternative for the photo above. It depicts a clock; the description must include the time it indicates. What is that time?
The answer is 9:50
